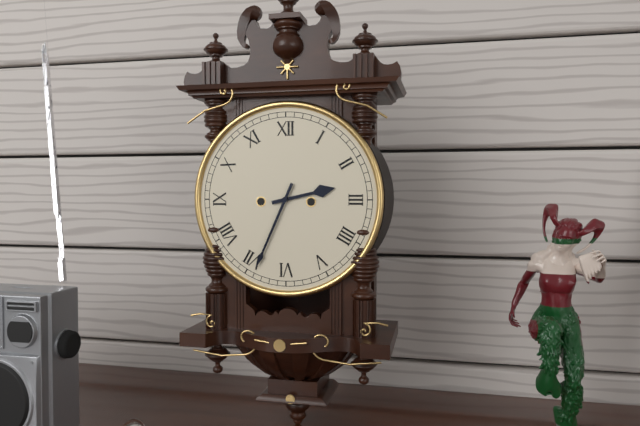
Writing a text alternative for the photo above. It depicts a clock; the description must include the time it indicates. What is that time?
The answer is 2:34
